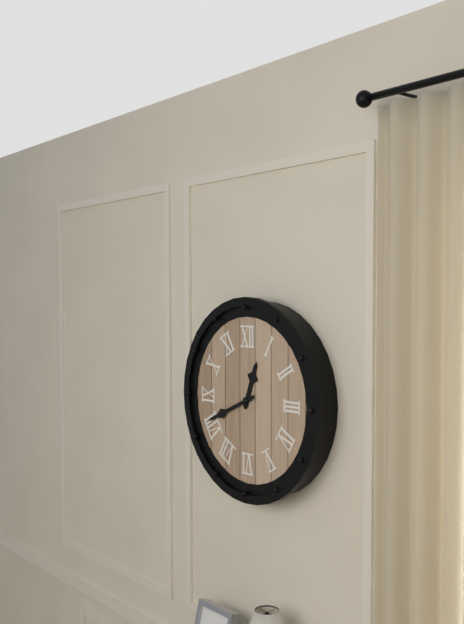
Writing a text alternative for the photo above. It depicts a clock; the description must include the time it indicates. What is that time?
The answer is 12:41
